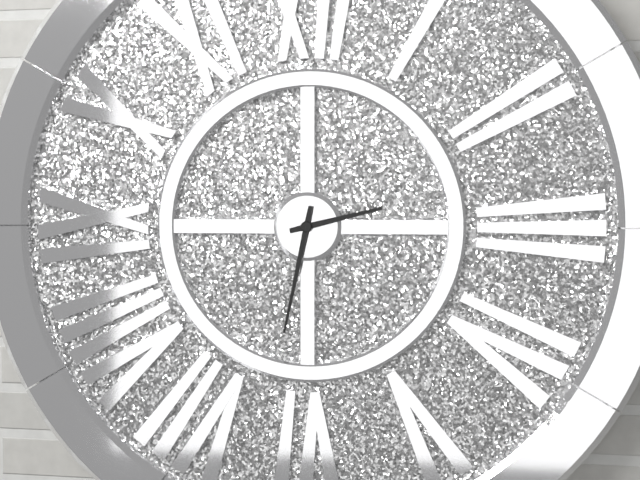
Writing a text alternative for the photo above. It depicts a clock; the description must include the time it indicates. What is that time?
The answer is 2:32
